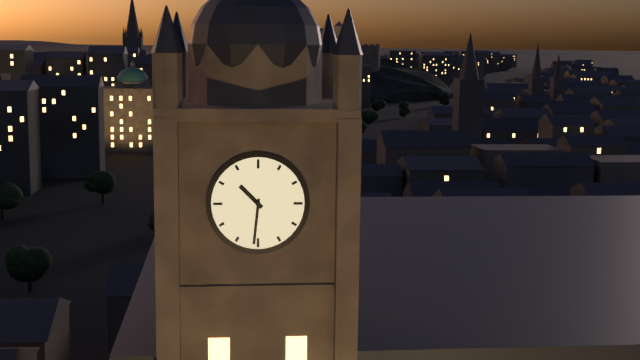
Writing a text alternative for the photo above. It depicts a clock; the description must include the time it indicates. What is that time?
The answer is 10:31
